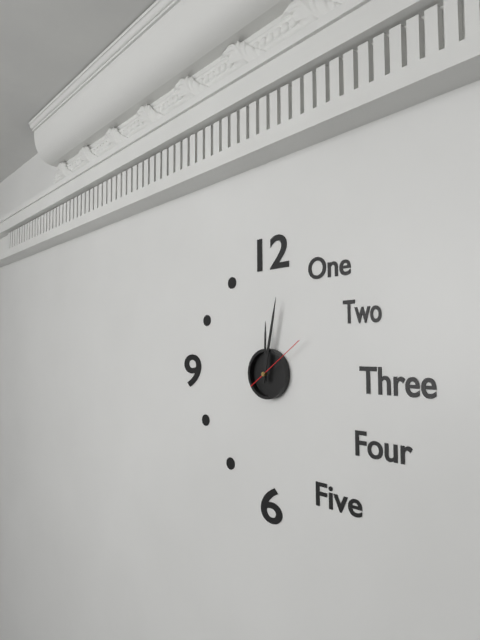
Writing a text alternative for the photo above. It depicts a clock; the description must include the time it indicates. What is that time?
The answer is 12:02:09
